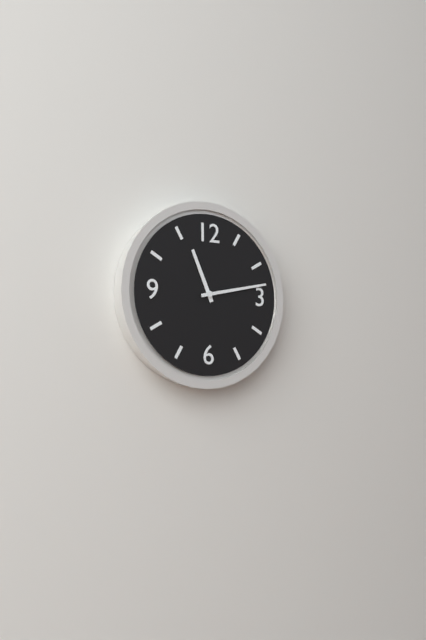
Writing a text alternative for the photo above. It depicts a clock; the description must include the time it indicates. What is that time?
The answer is 11:13
